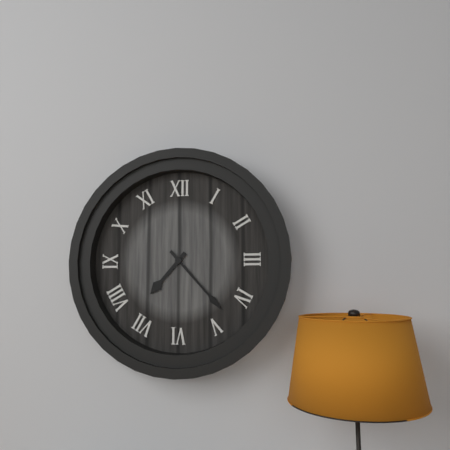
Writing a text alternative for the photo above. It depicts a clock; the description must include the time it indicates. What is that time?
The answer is 7:23
